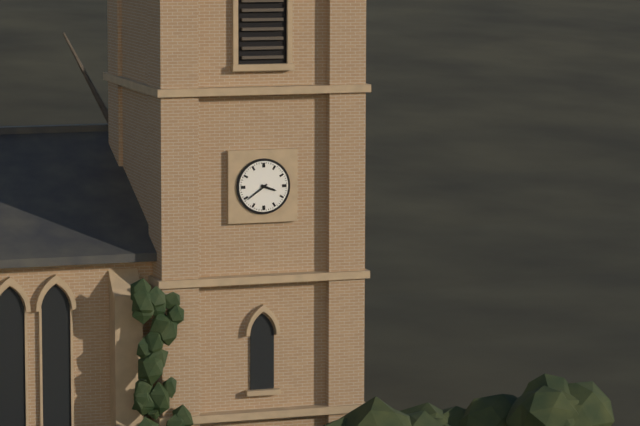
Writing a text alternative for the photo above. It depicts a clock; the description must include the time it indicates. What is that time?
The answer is 3:39
